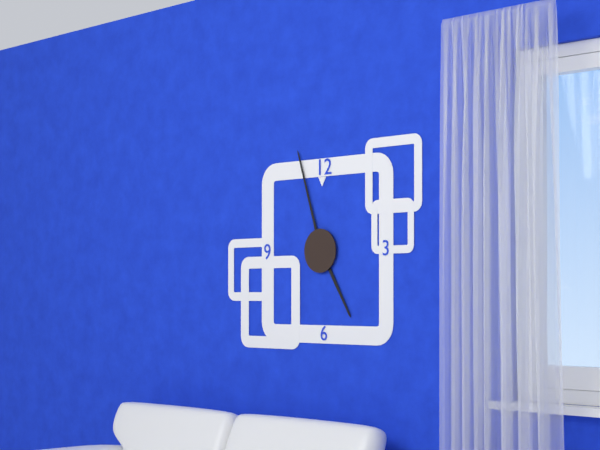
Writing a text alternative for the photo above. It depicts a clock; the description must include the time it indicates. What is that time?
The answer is 4:57
